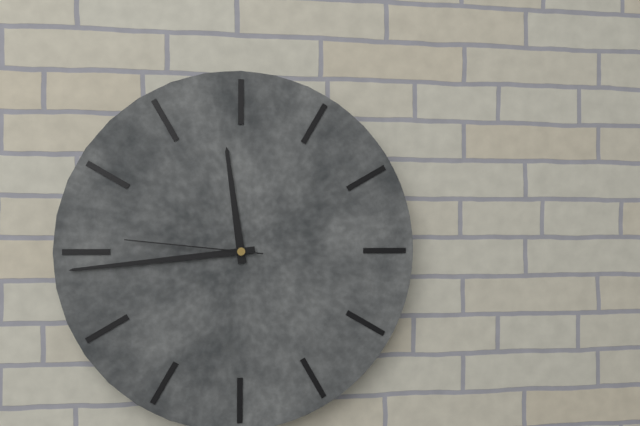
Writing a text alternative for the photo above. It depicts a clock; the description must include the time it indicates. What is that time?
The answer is 11:44:46
